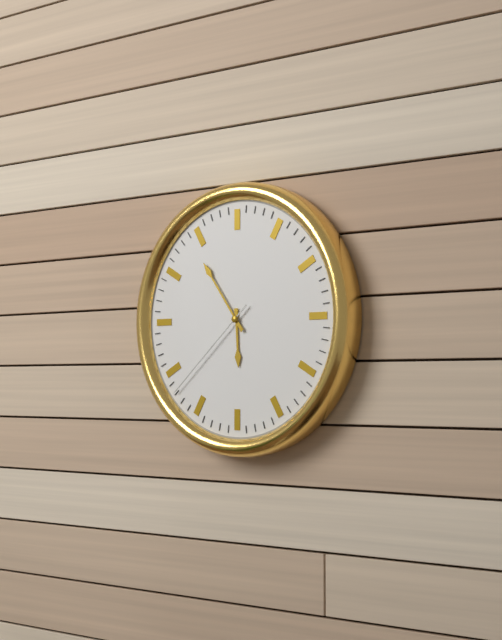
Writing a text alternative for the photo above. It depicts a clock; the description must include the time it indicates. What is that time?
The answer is 5:54:38
